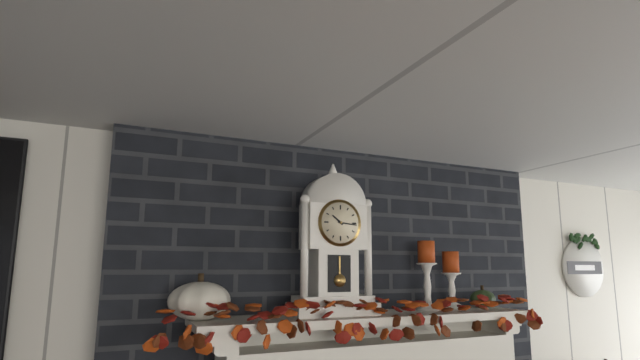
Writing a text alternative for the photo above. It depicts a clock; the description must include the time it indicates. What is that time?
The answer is 10:16
